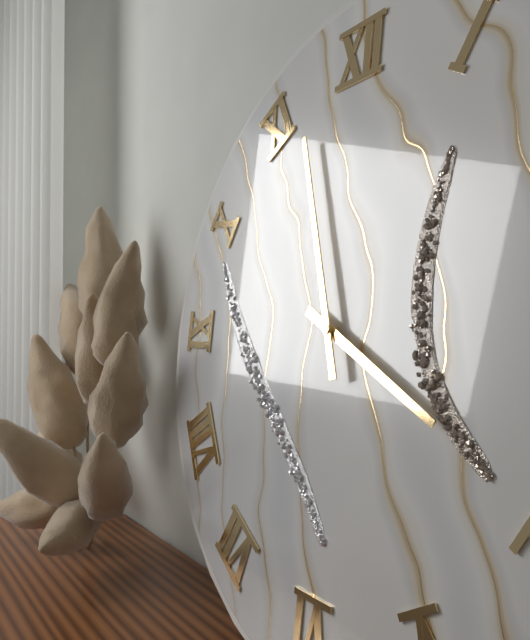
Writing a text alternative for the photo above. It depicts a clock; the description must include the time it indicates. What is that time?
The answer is 3:57
